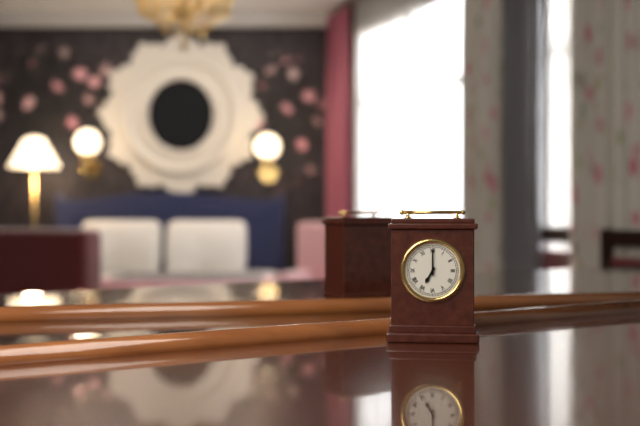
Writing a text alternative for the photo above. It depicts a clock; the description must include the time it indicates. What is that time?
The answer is 7:00
